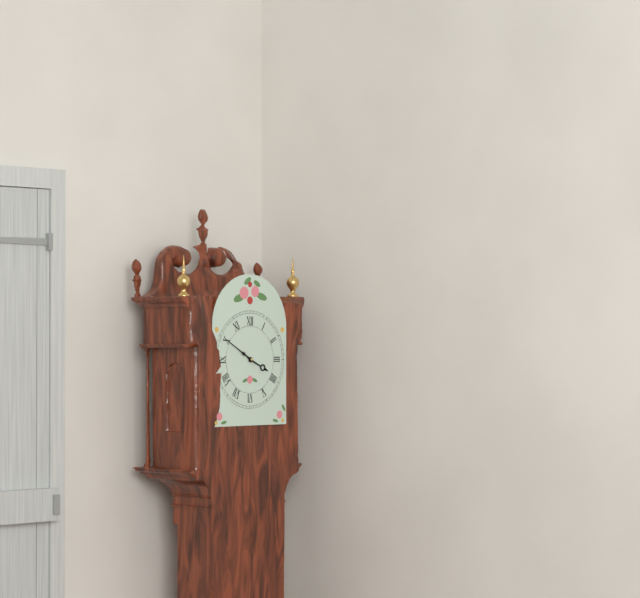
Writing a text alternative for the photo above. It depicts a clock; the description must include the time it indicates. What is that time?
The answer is 3:50
